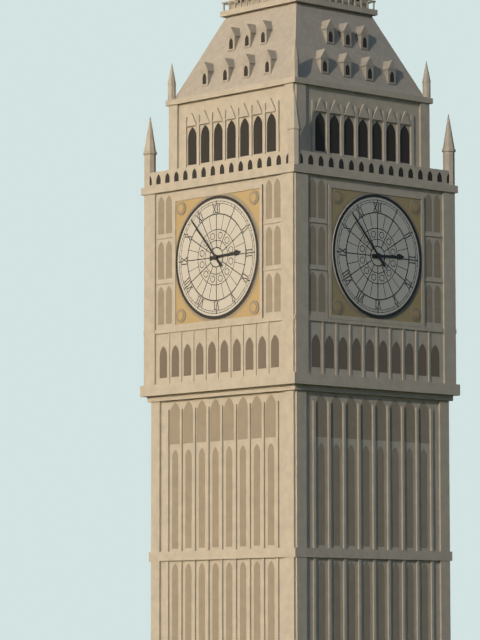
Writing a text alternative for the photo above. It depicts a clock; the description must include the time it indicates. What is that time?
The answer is 2:53
